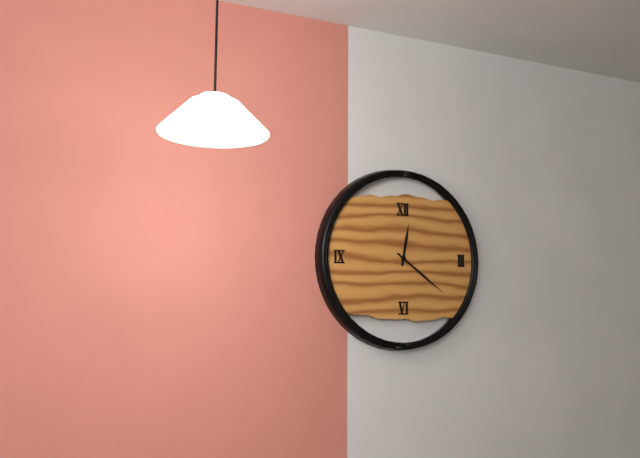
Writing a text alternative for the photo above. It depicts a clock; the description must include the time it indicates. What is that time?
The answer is 12:21
